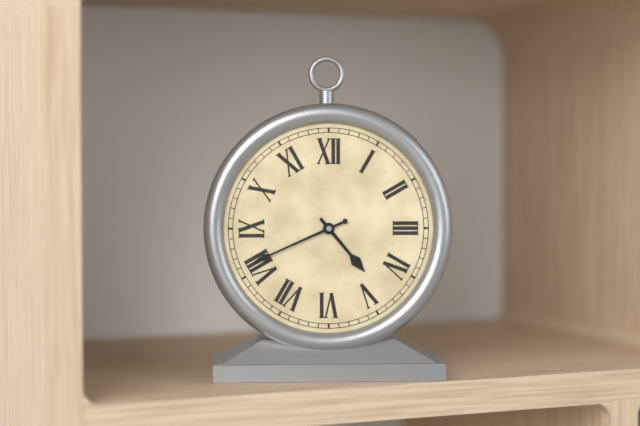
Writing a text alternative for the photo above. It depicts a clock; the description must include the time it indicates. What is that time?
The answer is 4:41
